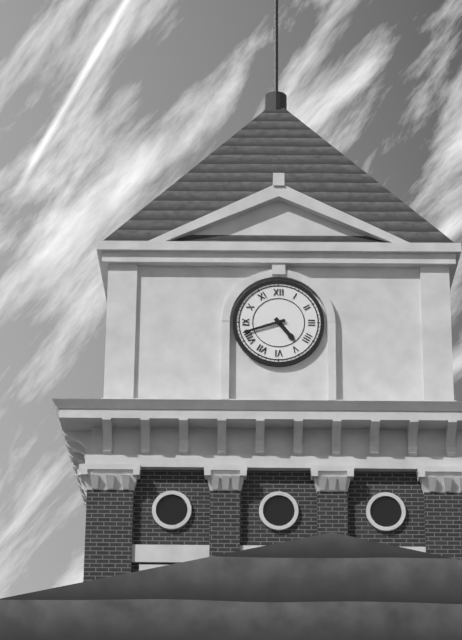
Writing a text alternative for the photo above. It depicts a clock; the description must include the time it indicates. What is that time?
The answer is 4:42
